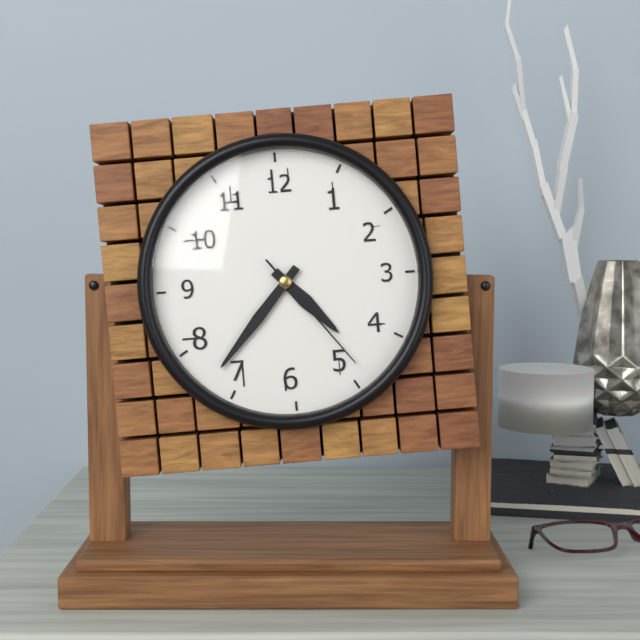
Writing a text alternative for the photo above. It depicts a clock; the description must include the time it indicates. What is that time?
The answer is 4:37:24
